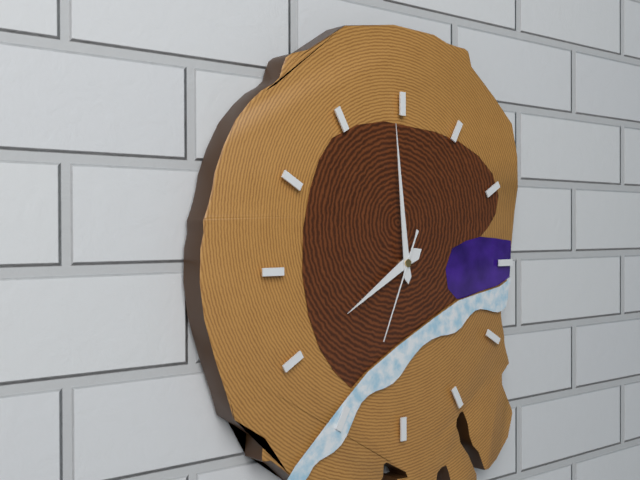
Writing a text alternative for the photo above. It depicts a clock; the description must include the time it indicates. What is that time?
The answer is 7:59:34
